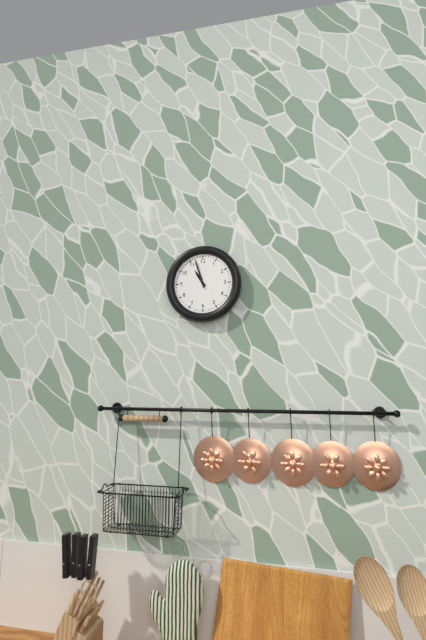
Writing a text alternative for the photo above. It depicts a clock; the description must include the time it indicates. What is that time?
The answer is 10:57
